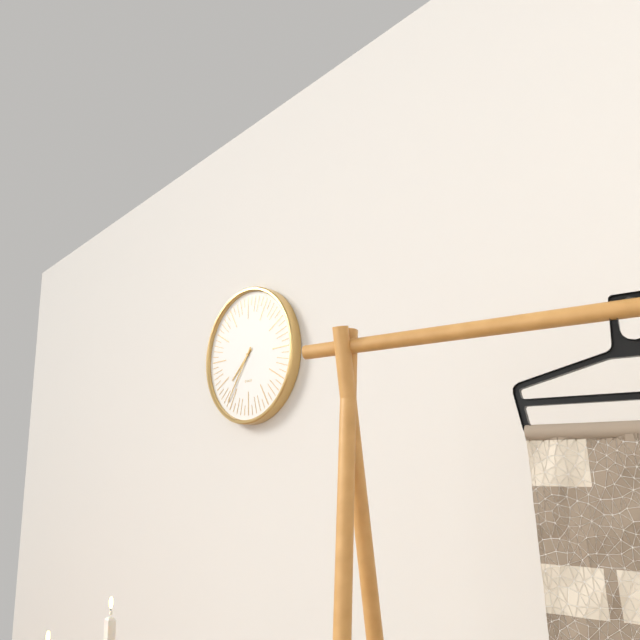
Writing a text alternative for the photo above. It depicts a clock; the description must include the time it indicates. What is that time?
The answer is 7:36
